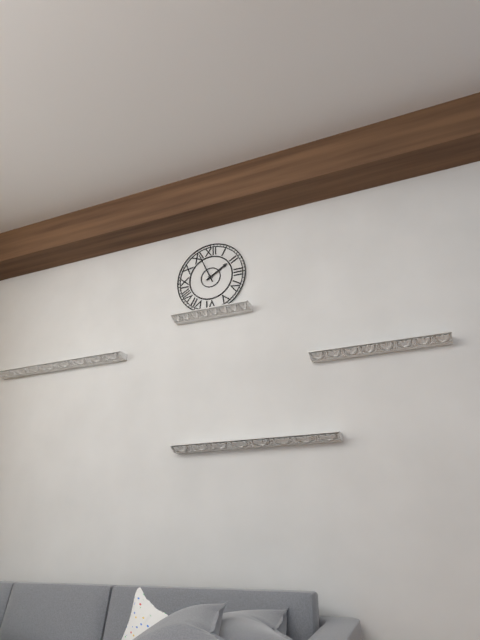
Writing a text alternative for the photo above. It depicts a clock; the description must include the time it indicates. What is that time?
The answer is 1:56
